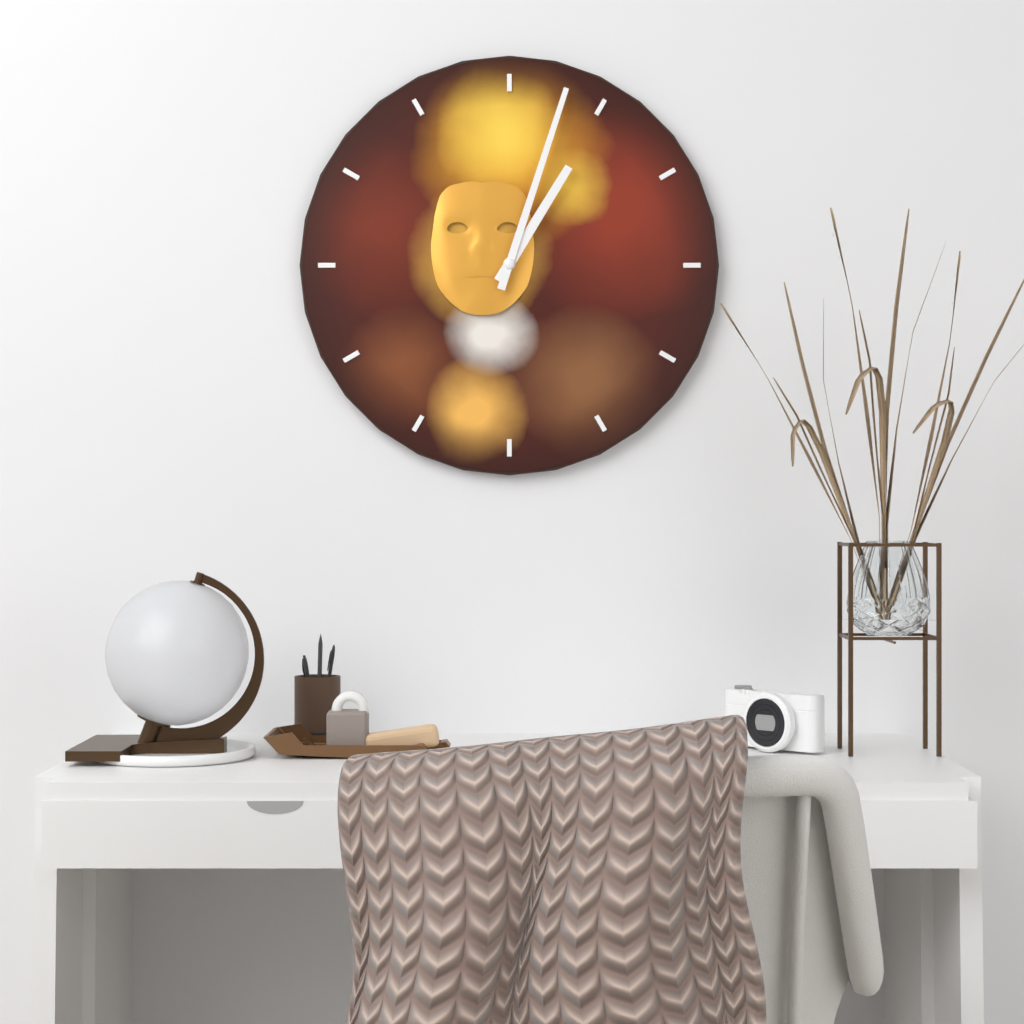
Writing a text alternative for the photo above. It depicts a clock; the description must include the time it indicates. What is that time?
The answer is 1:03
